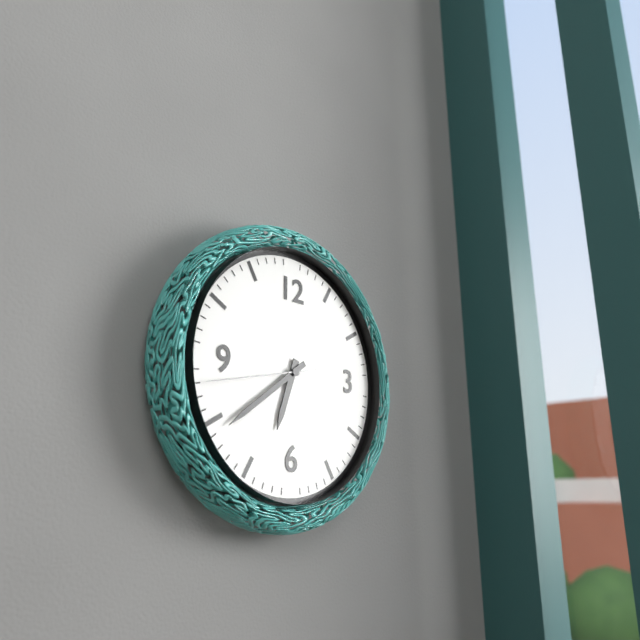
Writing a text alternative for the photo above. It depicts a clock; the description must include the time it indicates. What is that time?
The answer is 6:39:43
